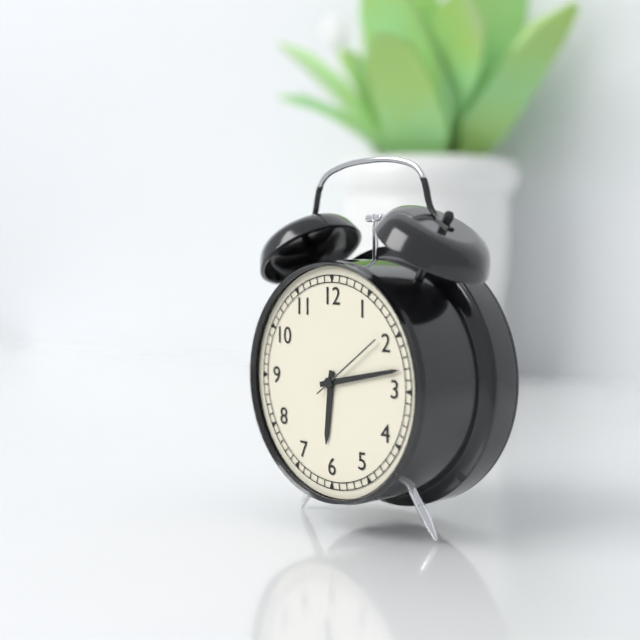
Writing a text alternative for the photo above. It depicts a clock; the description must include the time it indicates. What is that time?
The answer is 6:13:09
